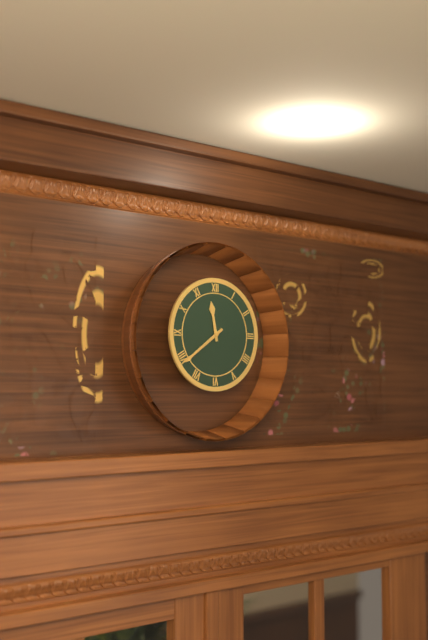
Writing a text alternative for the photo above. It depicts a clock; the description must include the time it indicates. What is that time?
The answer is 11:39
